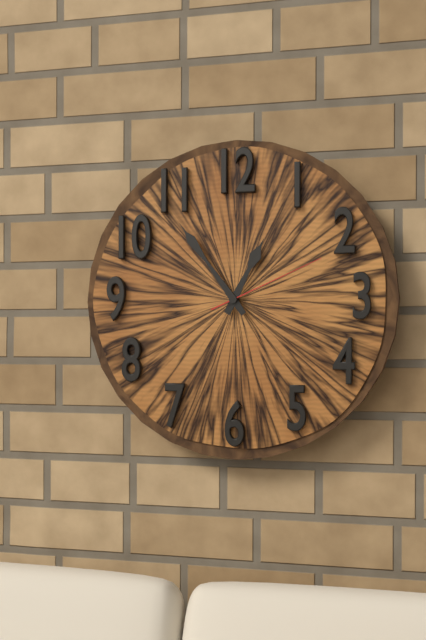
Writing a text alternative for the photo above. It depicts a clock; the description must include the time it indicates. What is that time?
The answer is 12:54:11
